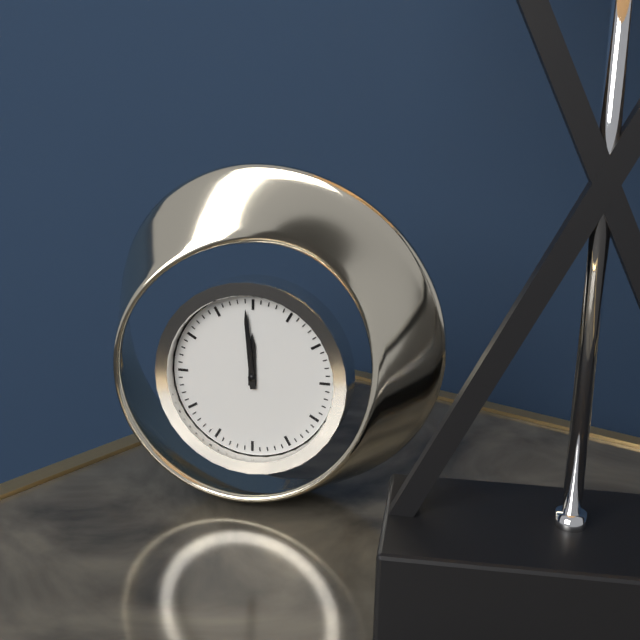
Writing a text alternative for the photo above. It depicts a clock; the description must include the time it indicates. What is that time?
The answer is 11:59
